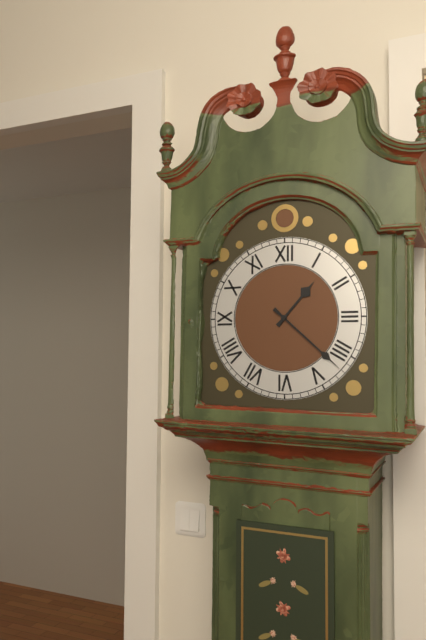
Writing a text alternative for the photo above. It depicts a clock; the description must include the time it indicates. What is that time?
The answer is 1:22
